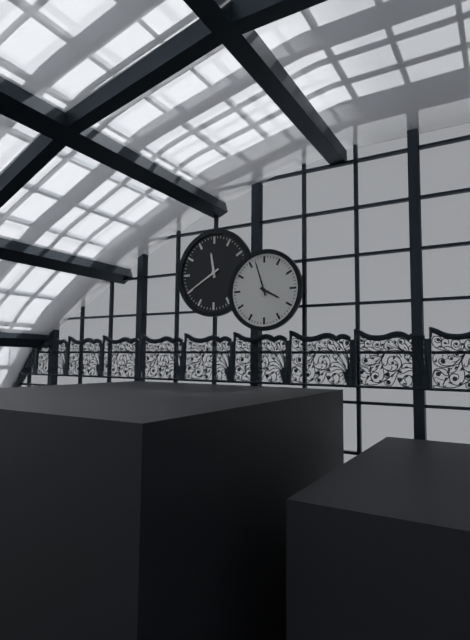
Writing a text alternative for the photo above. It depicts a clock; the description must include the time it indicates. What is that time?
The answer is 3:57
